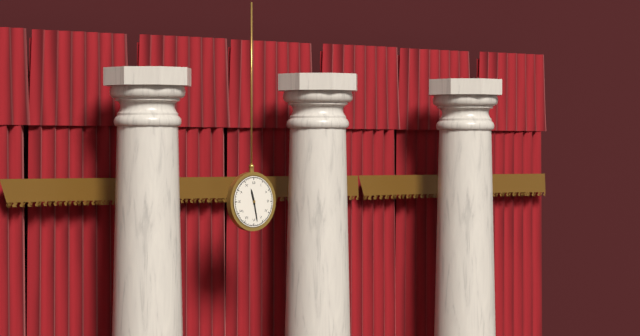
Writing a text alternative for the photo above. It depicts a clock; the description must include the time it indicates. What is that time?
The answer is 11:28
